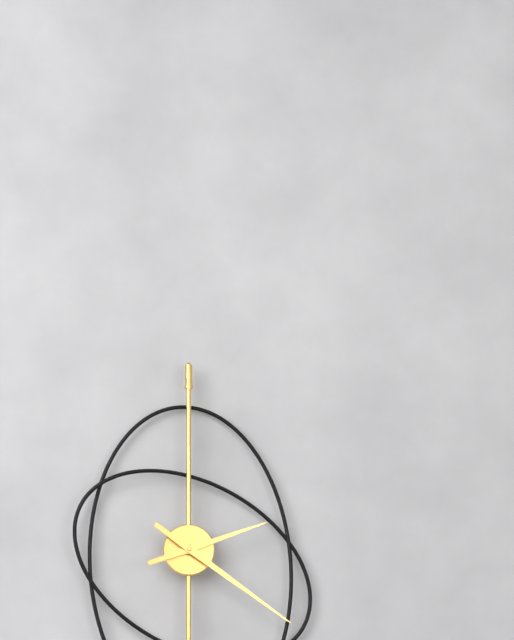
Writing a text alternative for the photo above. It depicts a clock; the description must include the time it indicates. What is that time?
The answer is 2:21
